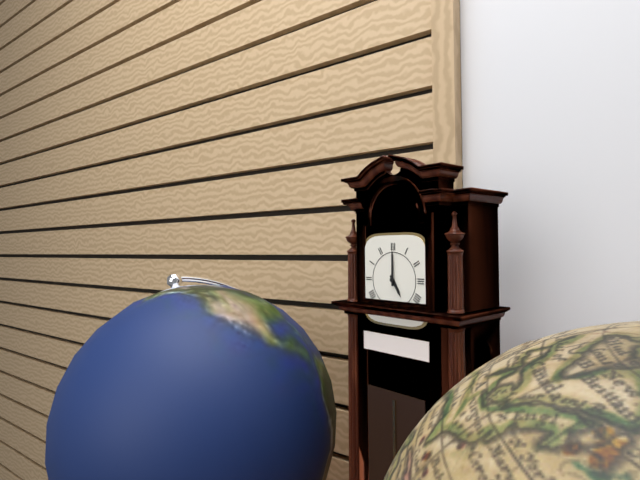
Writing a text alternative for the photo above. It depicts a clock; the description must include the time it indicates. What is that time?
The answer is 5:00
